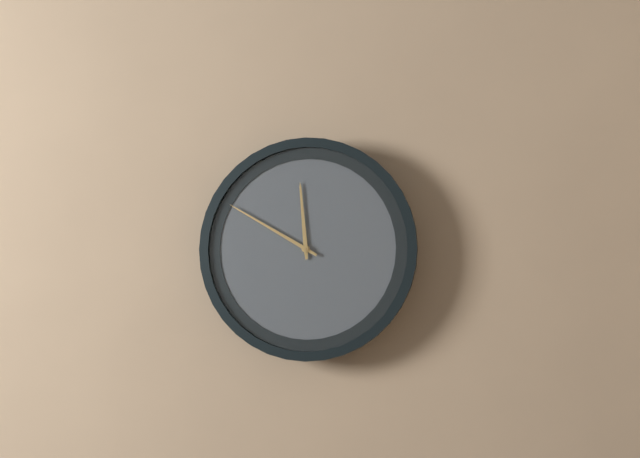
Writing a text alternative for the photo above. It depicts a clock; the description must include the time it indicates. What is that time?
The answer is 11:50
